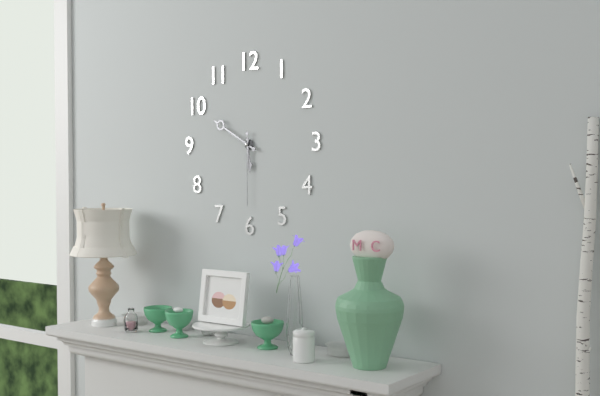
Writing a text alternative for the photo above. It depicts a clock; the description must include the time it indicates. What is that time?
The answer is 5:50:30
